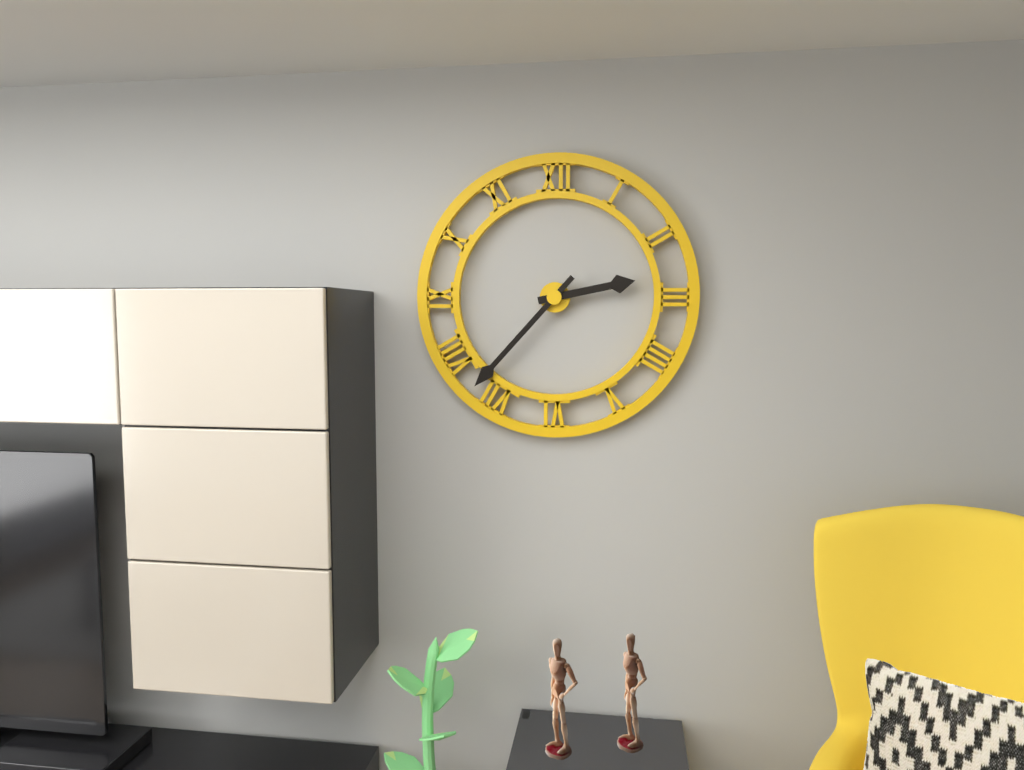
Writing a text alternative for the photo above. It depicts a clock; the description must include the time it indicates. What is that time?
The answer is 2:37
